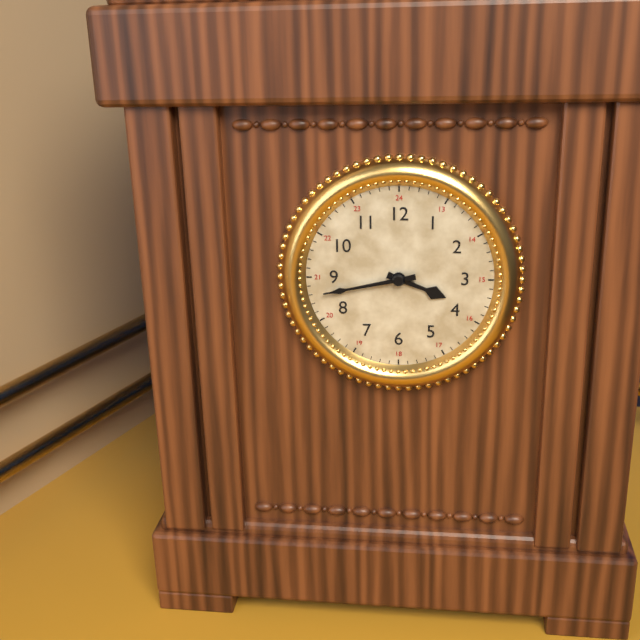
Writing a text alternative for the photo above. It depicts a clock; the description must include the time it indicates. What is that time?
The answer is 3:43
